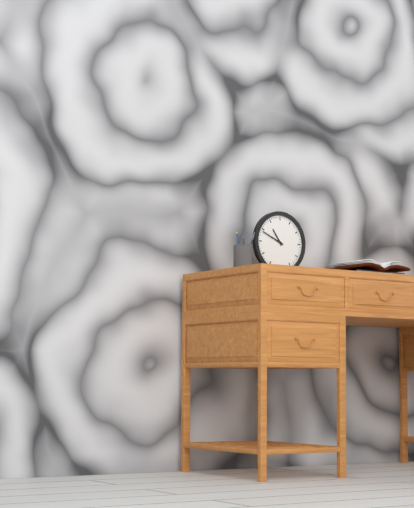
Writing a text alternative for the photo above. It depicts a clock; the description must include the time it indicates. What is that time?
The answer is 10:49
